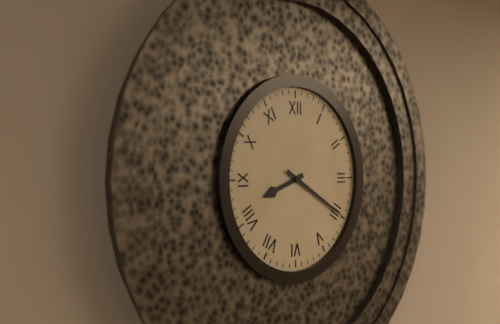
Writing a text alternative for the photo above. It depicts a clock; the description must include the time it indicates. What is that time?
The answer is 8:20
